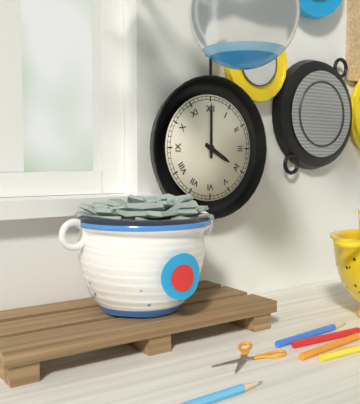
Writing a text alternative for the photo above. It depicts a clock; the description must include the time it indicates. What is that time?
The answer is 4:00
